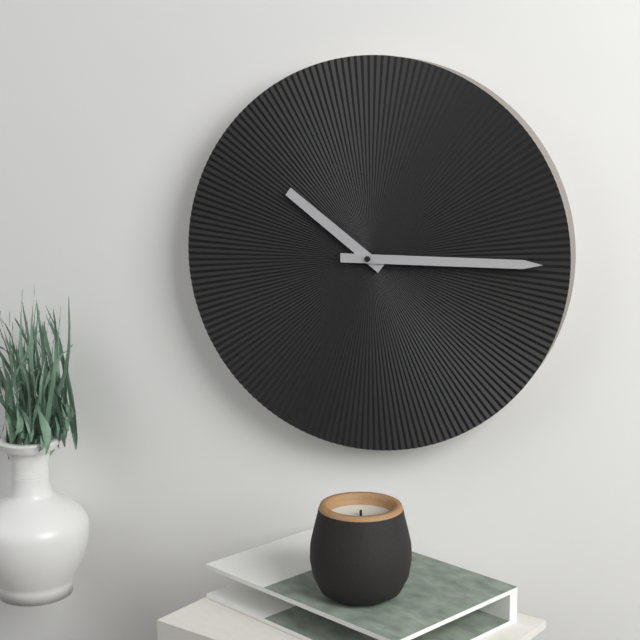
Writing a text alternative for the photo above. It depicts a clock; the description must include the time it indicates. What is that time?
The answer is 10:15
